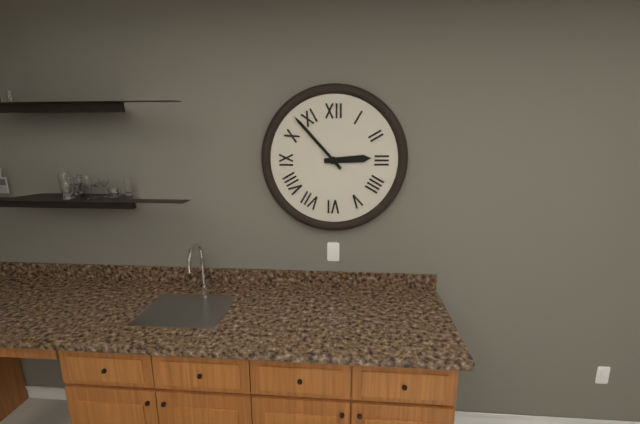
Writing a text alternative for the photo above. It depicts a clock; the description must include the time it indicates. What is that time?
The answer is 2:53
